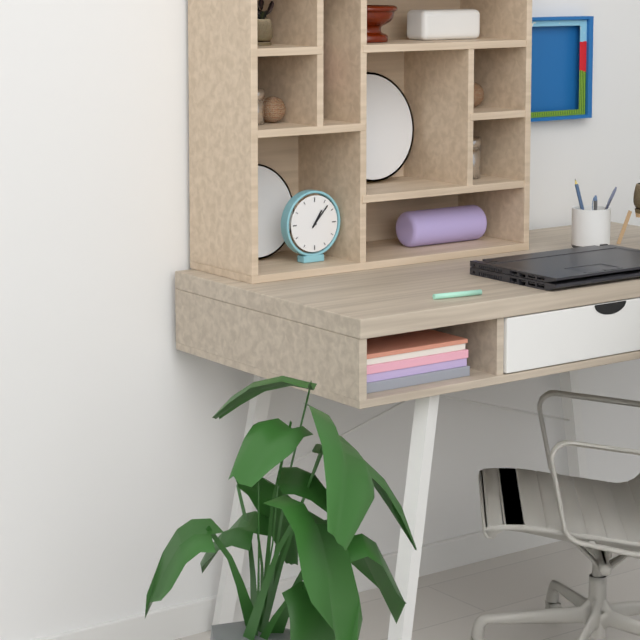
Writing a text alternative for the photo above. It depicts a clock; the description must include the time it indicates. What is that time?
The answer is 1:07
